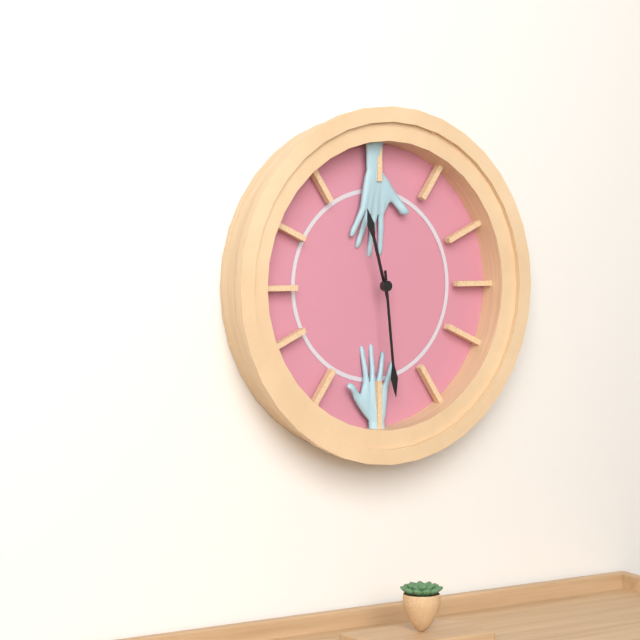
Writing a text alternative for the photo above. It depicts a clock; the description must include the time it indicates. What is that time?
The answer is 11:29
